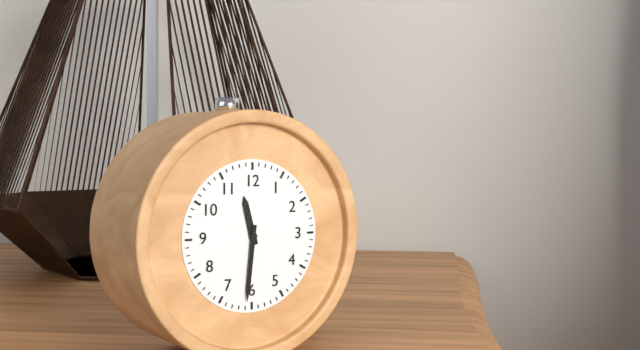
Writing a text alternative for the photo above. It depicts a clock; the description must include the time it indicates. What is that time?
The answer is 11:31
